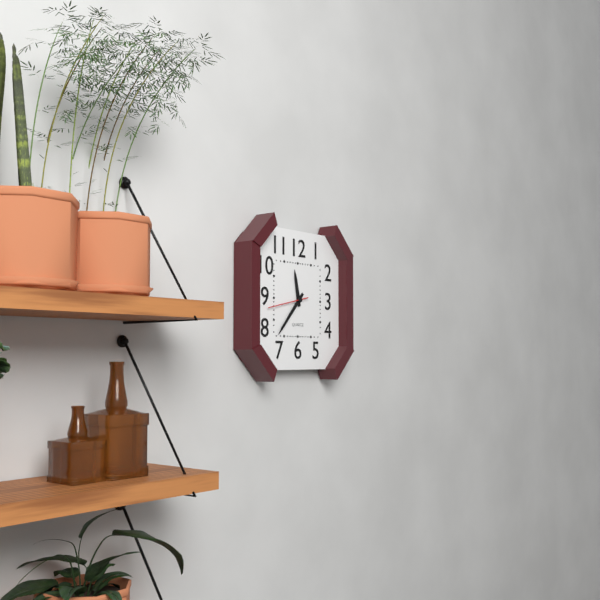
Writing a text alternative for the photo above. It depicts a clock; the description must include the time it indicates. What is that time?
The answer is 11:37
